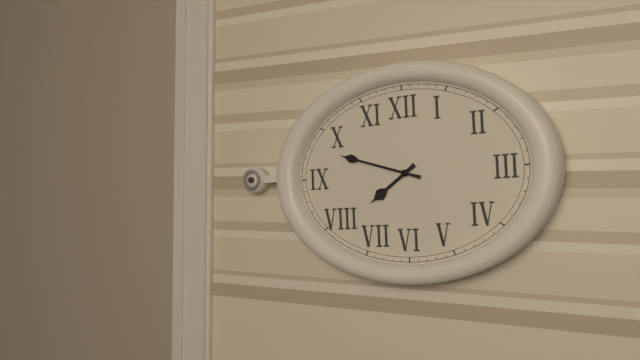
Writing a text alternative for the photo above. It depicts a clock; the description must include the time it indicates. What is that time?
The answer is 7:48
